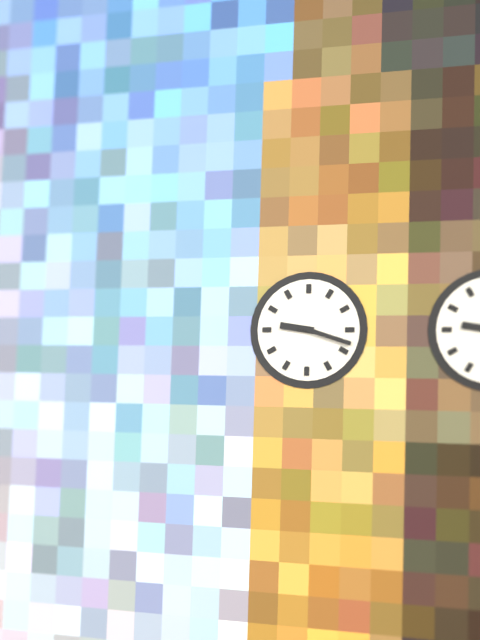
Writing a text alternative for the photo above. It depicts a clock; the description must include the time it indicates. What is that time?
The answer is 9:18
